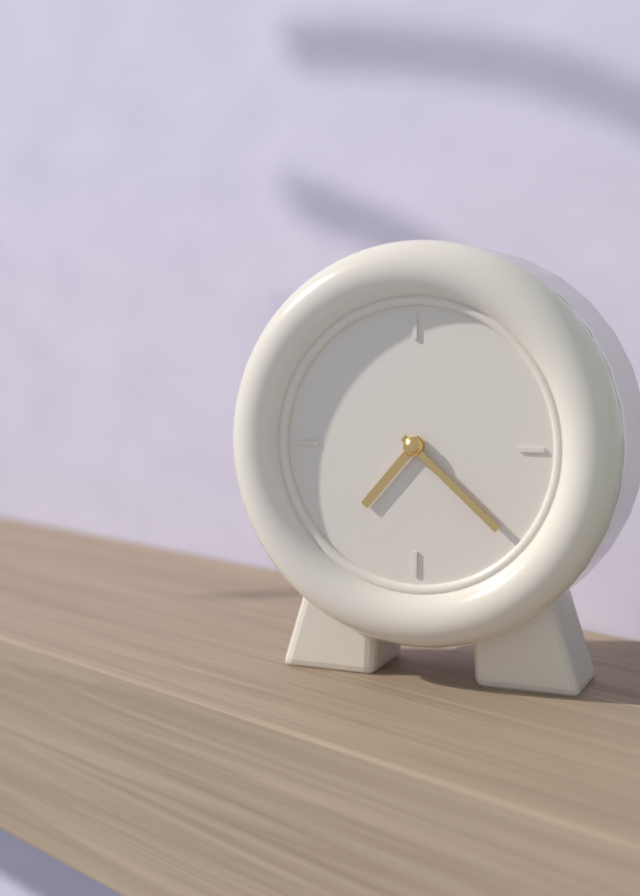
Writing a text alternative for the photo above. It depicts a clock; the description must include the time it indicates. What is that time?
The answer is 7:22
